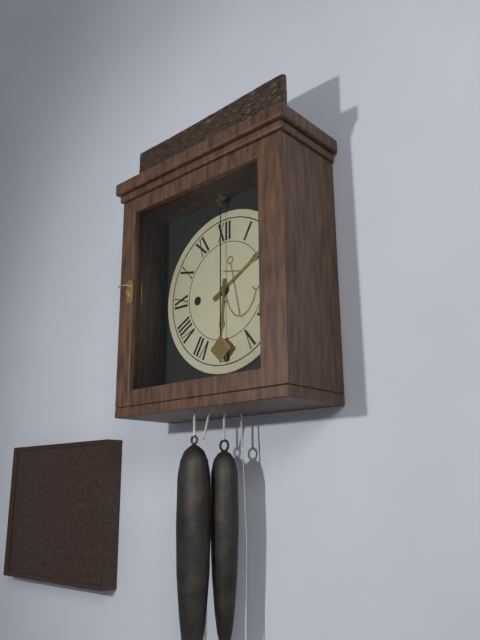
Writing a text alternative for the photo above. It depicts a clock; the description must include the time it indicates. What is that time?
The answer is 6:10
